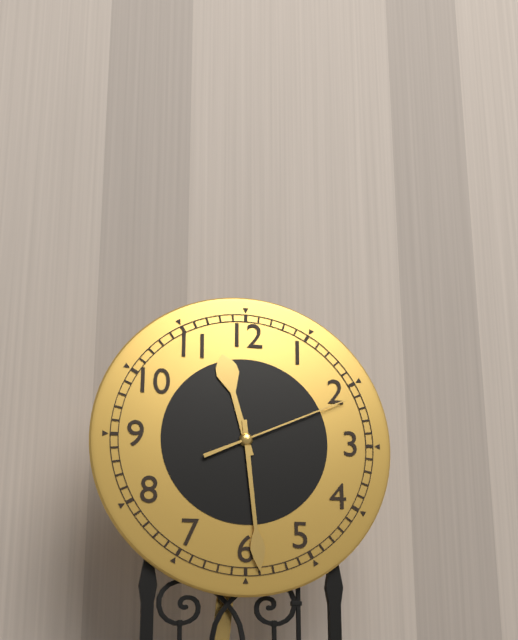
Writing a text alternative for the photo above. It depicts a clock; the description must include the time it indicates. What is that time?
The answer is 11:29:11
